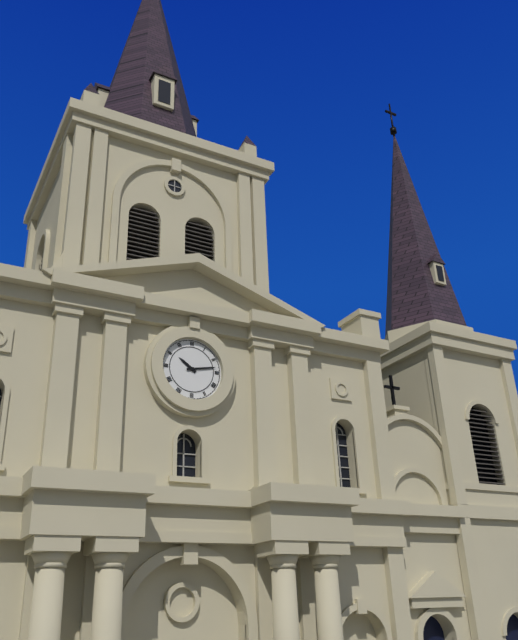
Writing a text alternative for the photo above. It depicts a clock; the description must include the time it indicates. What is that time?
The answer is 10:13
